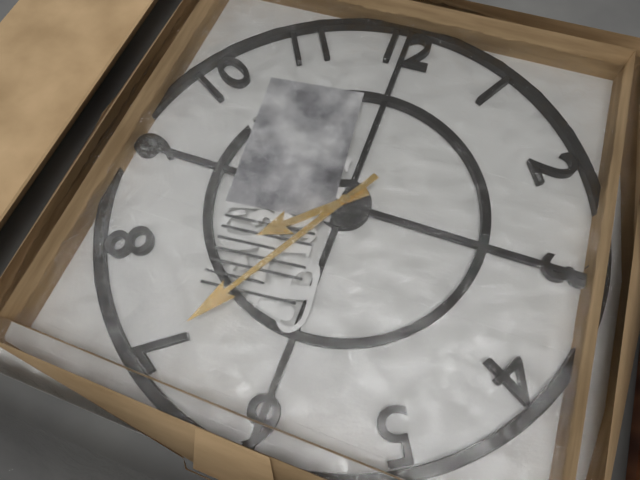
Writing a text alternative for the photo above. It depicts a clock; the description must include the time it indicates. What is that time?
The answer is 7:35
